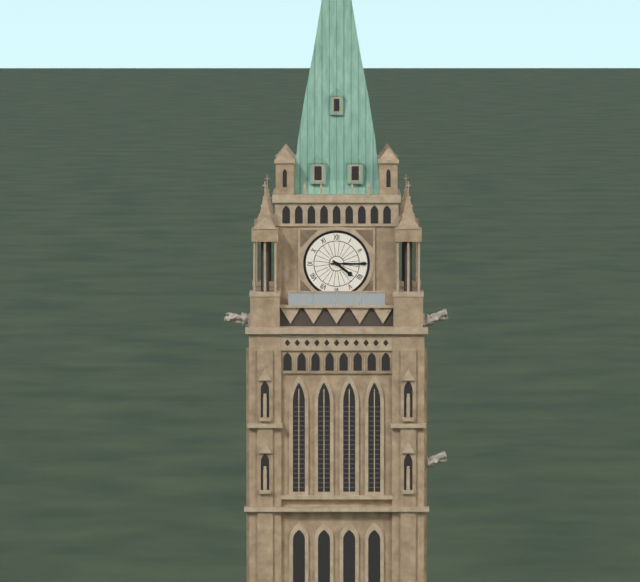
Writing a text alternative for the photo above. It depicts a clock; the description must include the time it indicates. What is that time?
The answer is 4:15
